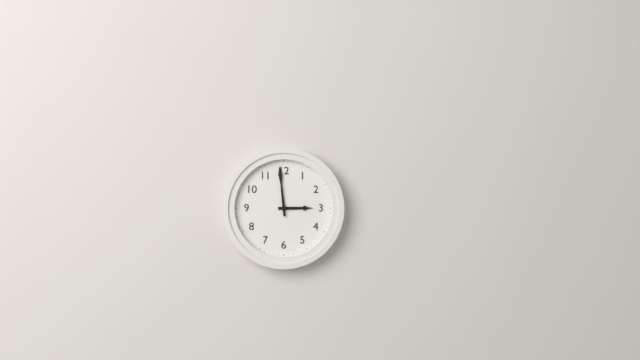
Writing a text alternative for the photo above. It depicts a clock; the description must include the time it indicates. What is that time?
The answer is 2:59
